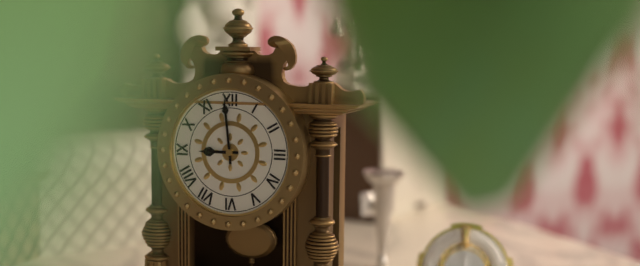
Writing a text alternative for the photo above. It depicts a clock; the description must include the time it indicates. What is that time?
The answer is 8:59
